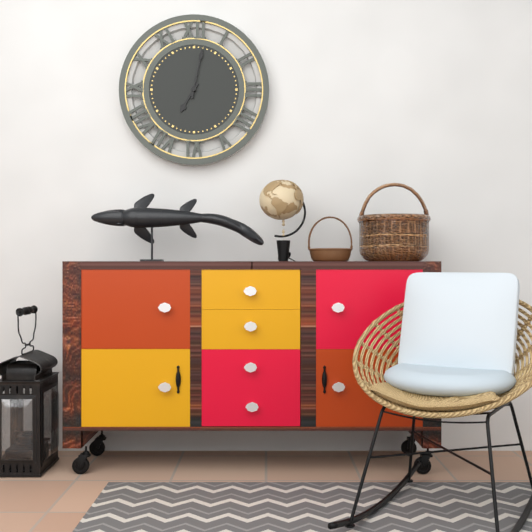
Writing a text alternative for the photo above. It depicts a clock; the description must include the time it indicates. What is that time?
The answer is 7:02
